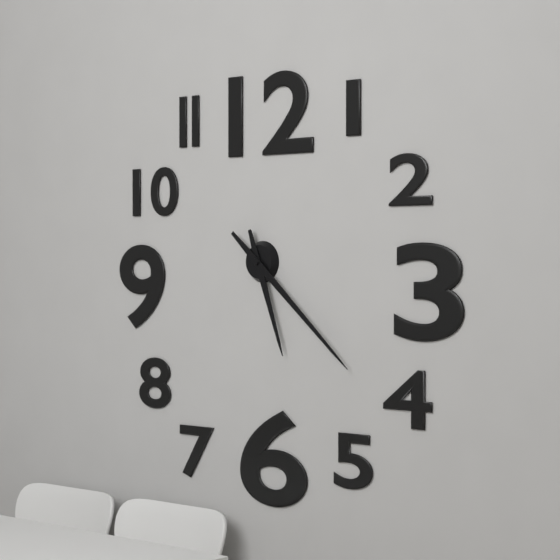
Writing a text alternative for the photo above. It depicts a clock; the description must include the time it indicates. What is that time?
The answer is 5:22
